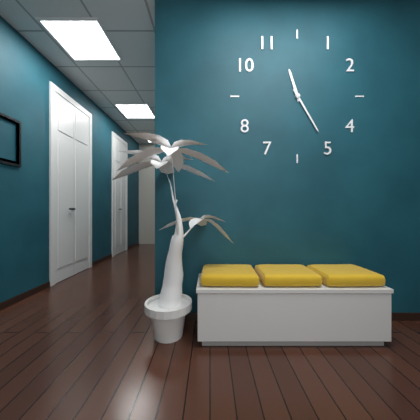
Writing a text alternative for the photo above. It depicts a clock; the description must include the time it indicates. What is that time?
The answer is 11:25
